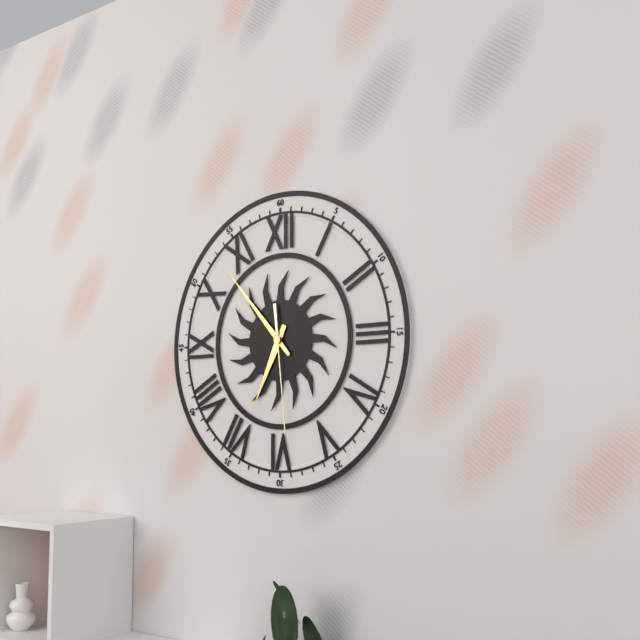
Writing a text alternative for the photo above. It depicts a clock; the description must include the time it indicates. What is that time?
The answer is 6:53:29
